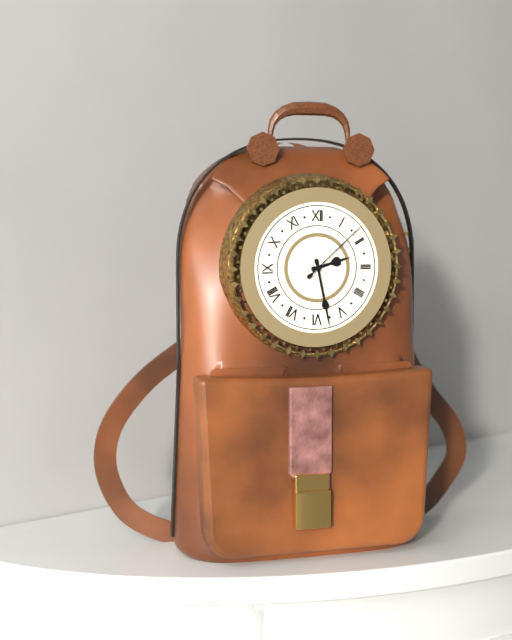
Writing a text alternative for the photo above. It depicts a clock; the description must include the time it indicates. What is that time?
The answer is 2:28:08
